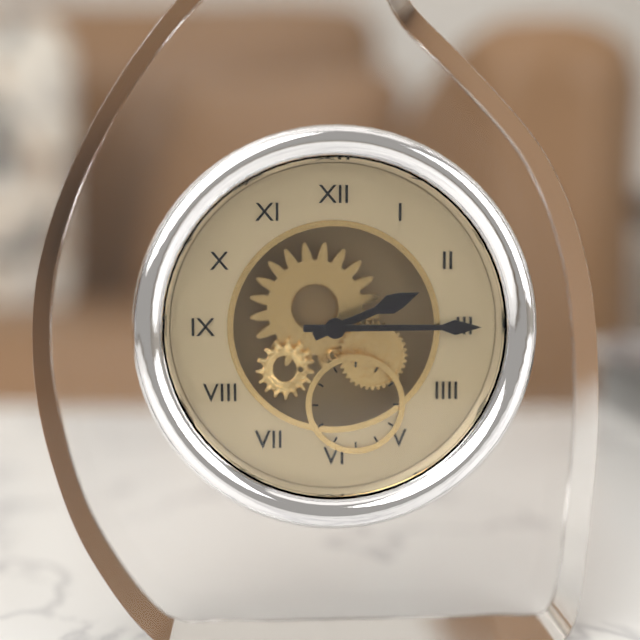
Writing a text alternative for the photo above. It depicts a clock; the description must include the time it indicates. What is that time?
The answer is 2:15
